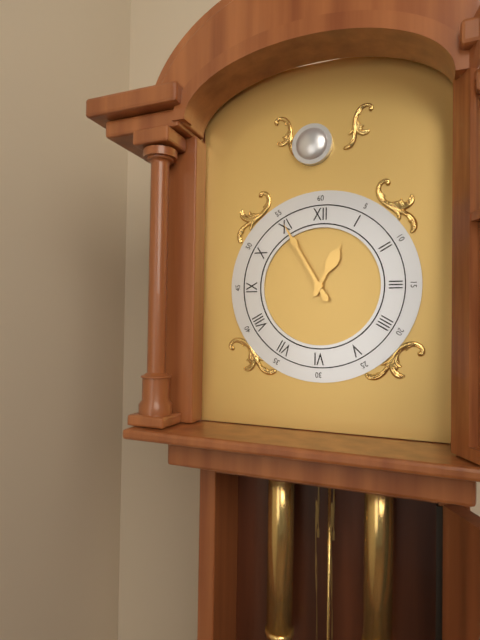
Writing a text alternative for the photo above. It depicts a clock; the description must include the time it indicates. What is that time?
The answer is 12:55
